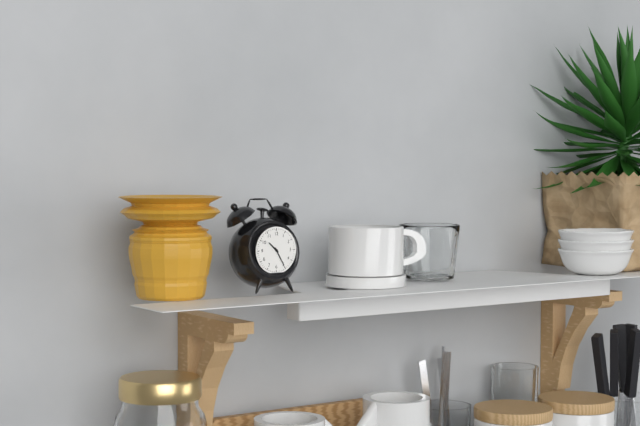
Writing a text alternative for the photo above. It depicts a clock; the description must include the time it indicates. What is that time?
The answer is 10:25
